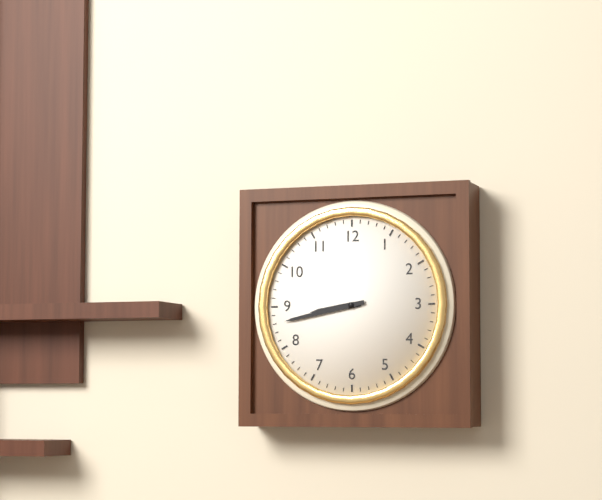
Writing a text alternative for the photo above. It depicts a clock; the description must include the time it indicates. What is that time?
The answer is 8:43
